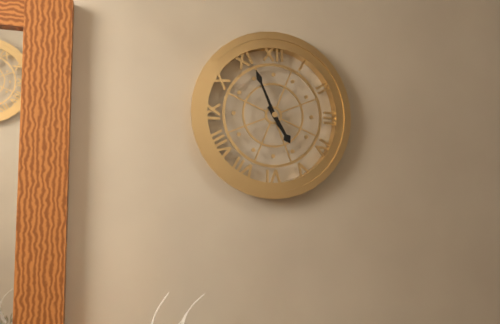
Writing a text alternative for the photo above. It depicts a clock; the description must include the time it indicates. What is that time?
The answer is 4:56
